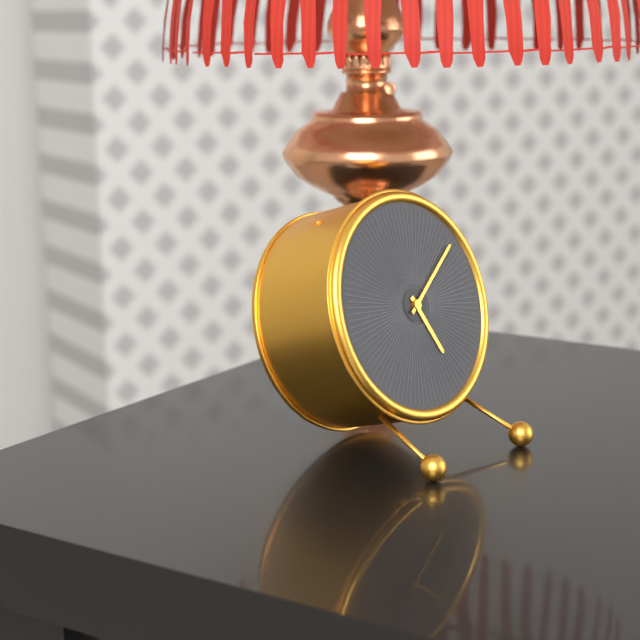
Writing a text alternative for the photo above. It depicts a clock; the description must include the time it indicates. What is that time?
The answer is 5:09
